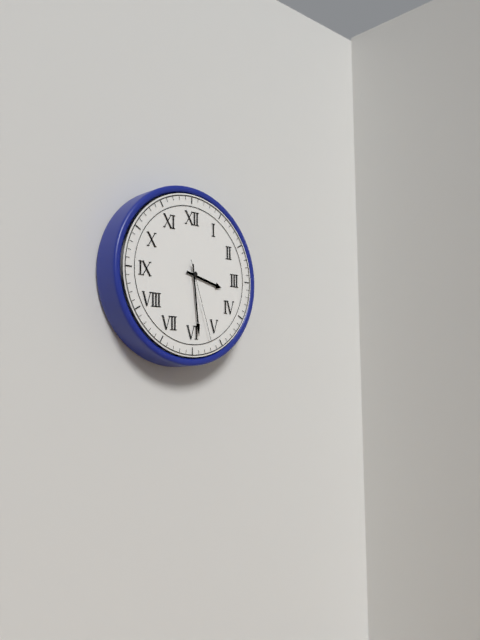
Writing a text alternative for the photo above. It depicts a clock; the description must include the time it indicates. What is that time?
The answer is 3:29:27
